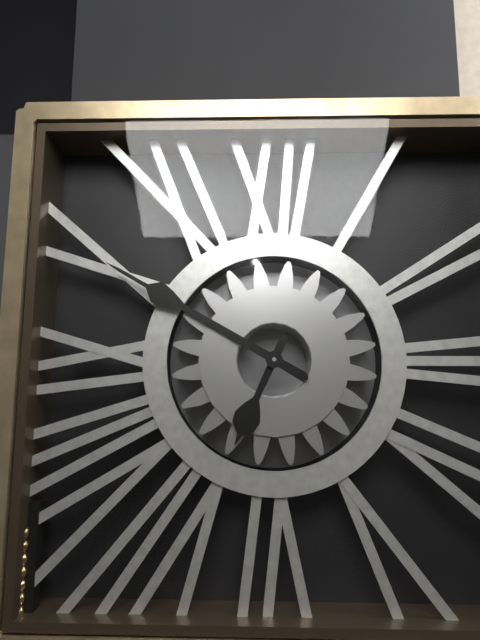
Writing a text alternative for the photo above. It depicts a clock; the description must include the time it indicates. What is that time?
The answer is 6:50
